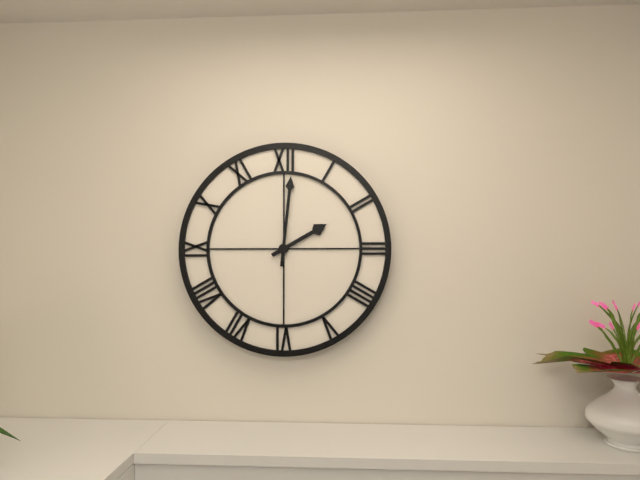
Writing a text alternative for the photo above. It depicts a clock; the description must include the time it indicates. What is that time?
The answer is 2:01
